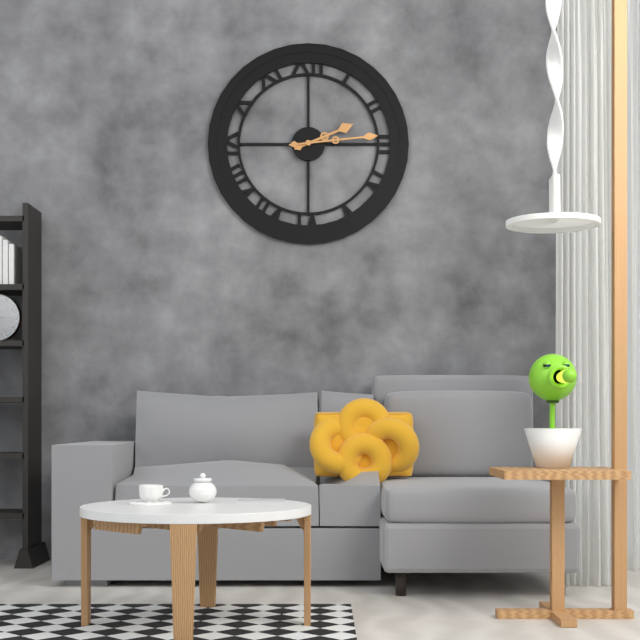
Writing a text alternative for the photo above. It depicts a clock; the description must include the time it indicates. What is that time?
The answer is 2:14
